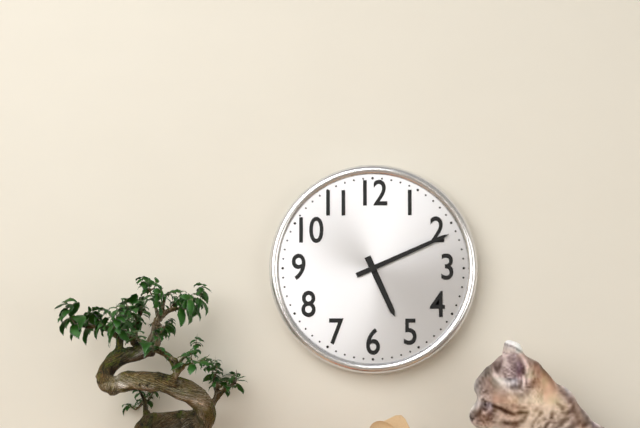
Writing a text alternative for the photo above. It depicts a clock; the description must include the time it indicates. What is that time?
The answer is 5:11
